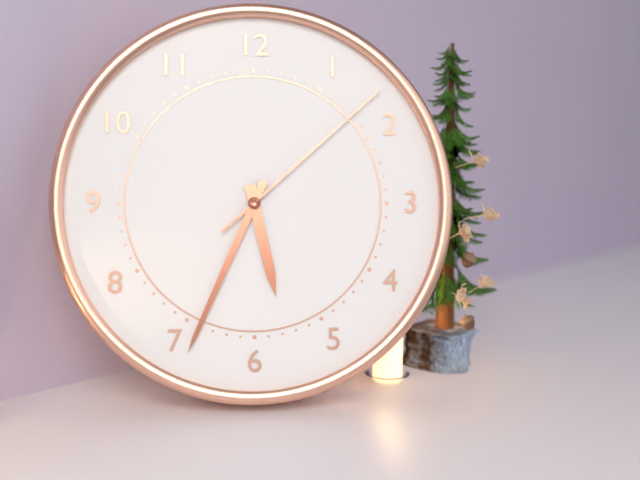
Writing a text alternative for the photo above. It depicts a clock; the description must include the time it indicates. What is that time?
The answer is 5:34:08
